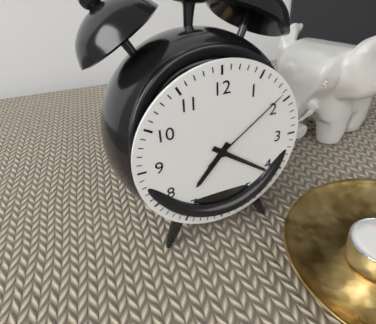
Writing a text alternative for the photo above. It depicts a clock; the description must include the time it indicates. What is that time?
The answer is 7:21:09
